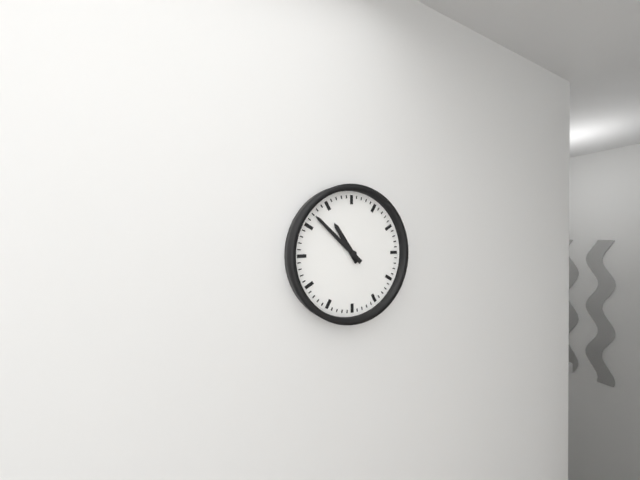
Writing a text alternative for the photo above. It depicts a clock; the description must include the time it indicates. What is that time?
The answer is 10:52
